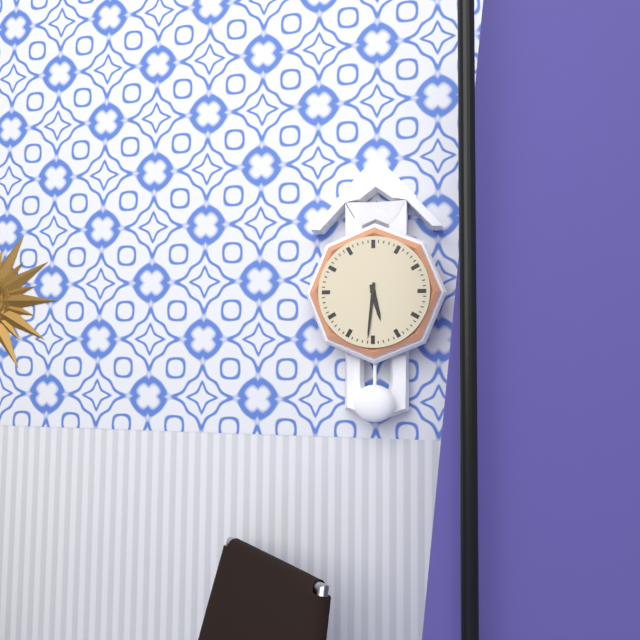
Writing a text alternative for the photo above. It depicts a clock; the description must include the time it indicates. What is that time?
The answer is 5:31
